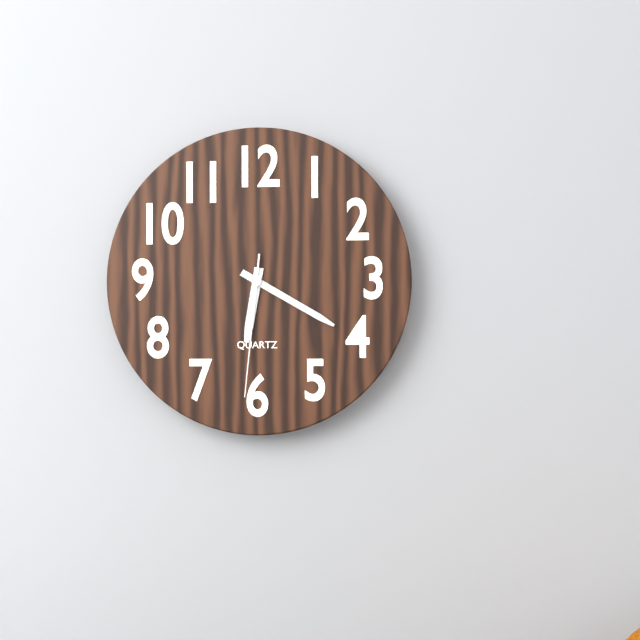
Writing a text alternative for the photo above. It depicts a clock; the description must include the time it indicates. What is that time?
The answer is 6:20:31
